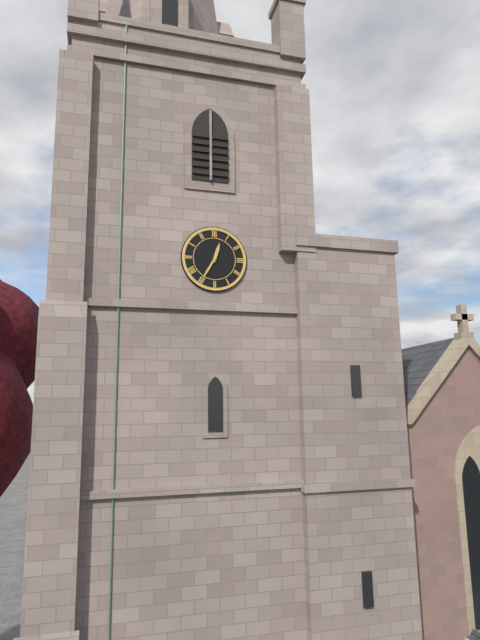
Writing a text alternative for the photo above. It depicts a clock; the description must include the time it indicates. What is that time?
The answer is 12:35
